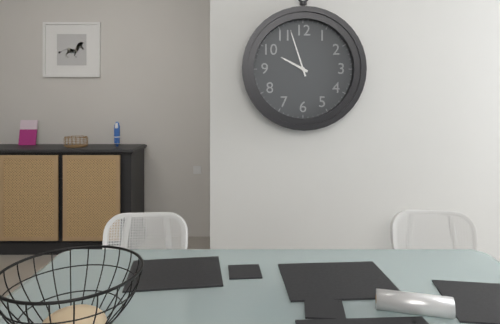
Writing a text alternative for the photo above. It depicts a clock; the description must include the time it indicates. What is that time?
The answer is 9:57
